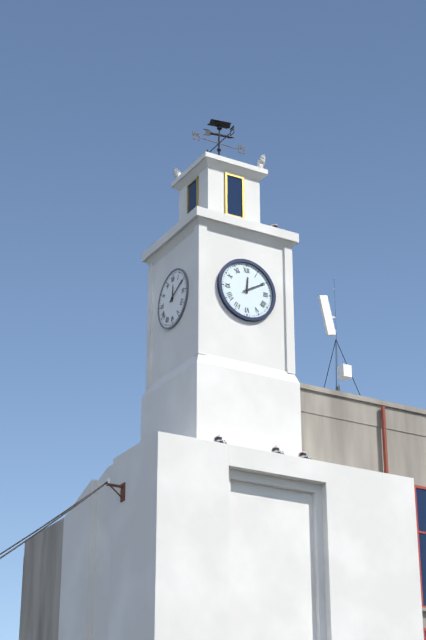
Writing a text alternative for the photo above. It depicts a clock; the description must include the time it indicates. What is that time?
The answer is 12:10
